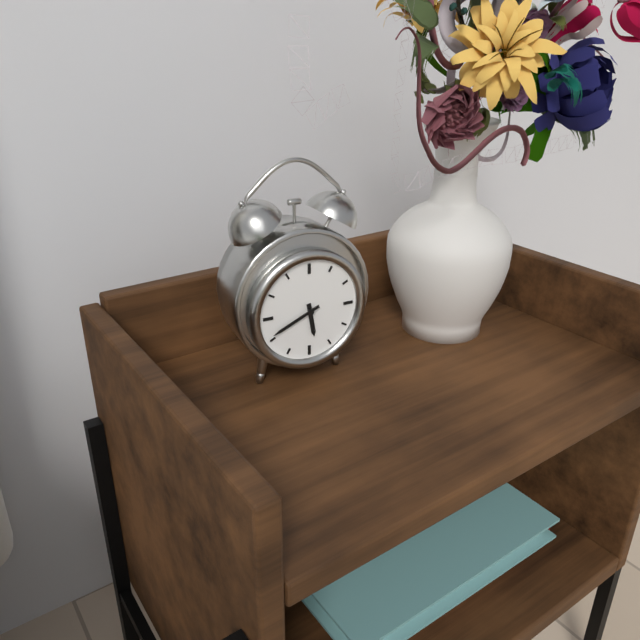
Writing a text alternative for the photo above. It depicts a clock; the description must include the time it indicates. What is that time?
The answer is 5:41
